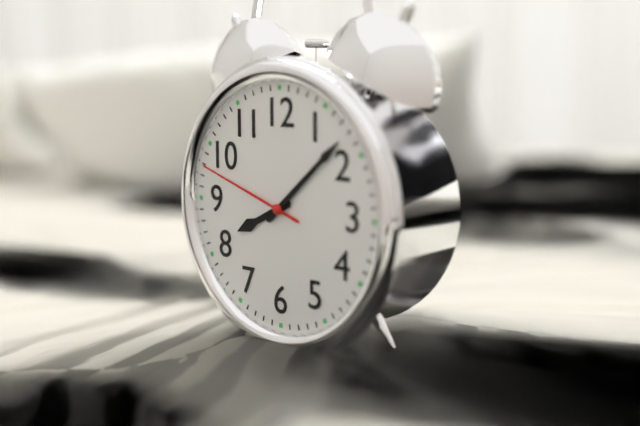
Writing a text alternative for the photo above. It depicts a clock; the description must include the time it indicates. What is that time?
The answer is 8:08:48
